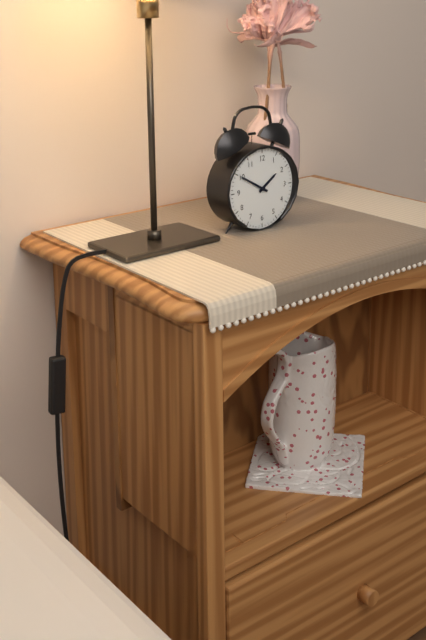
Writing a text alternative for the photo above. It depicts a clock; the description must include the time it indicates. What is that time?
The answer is 1:50
